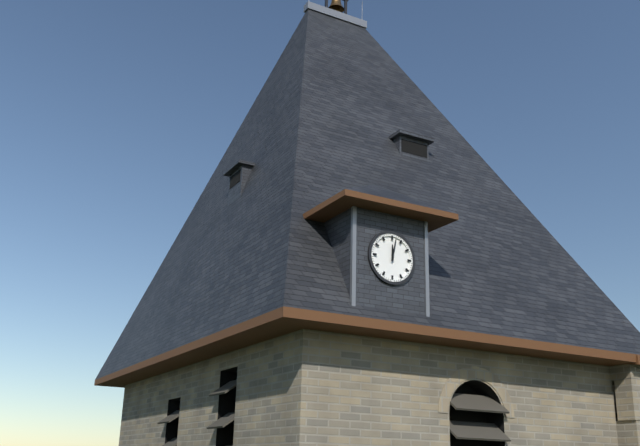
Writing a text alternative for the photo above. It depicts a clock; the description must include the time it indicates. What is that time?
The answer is 12:02
